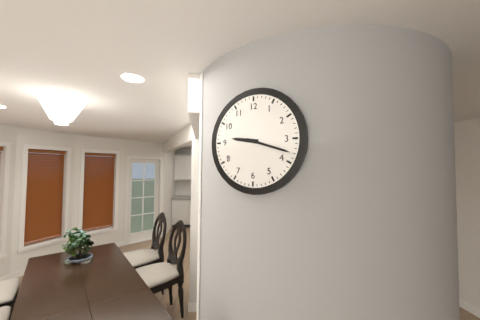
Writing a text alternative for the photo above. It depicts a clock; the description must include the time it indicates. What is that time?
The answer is 9:18
